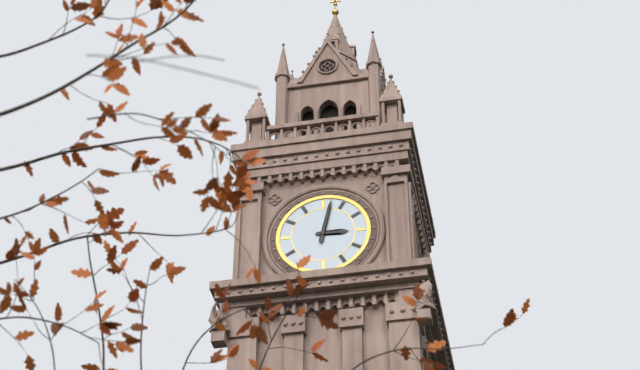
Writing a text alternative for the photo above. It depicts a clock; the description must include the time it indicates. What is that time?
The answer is 3:02
